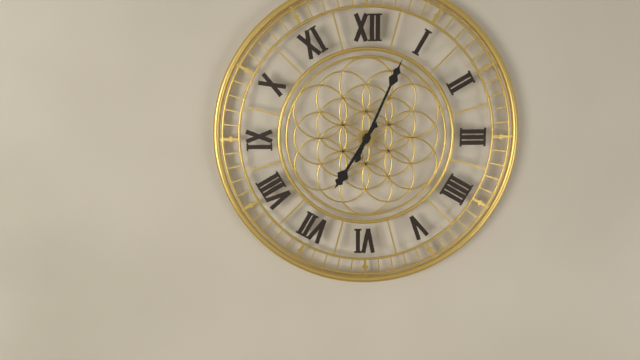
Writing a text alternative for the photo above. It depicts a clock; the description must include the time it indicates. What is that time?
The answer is 7:04
